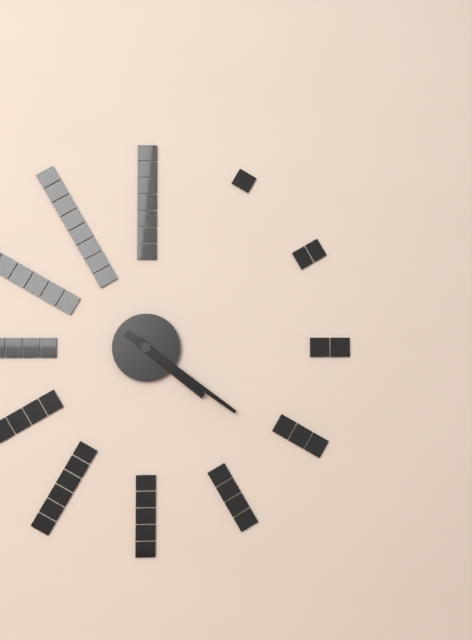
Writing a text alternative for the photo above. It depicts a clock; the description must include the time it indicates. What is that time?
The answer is 4:21
